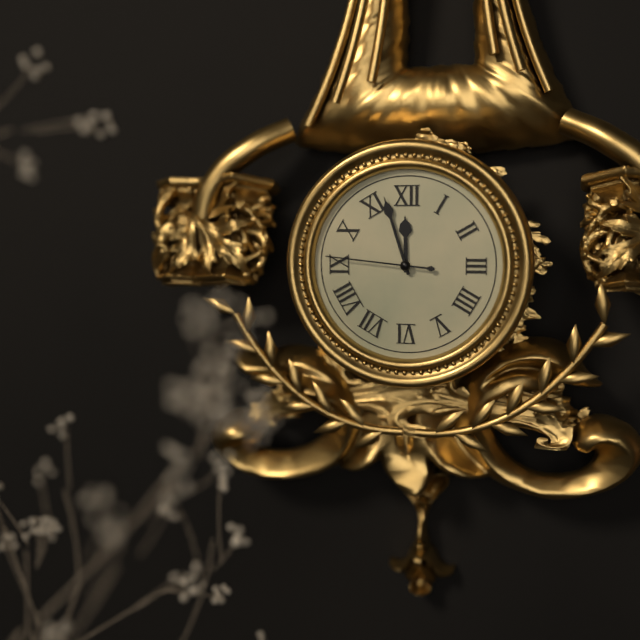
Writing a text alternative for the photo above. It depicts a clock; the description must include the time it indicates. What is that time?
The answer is 11:57:46
